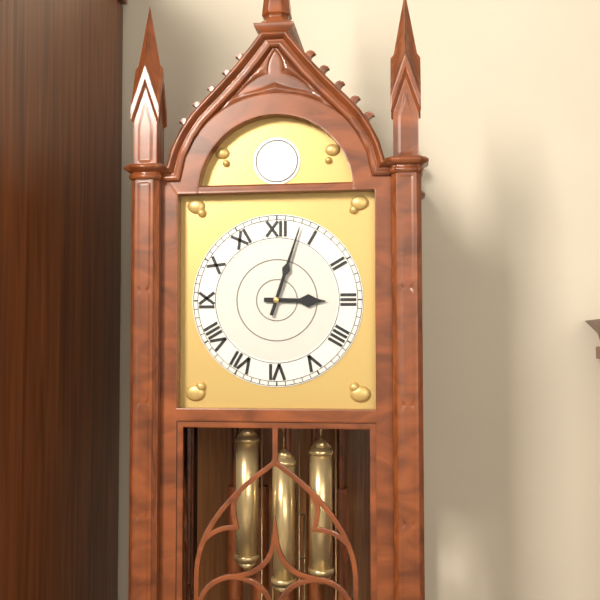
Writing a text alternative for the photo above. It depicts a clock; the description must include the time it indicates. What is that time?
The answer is 3:03
